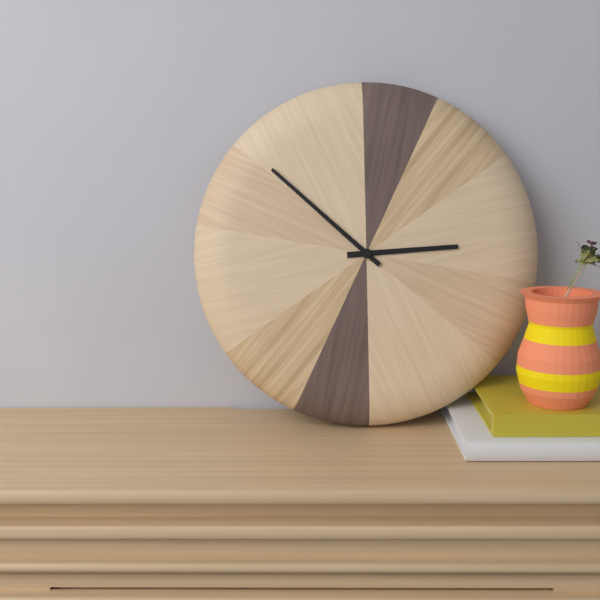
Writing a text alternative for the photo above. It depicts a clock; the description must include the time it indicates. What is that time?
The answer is 2:52
